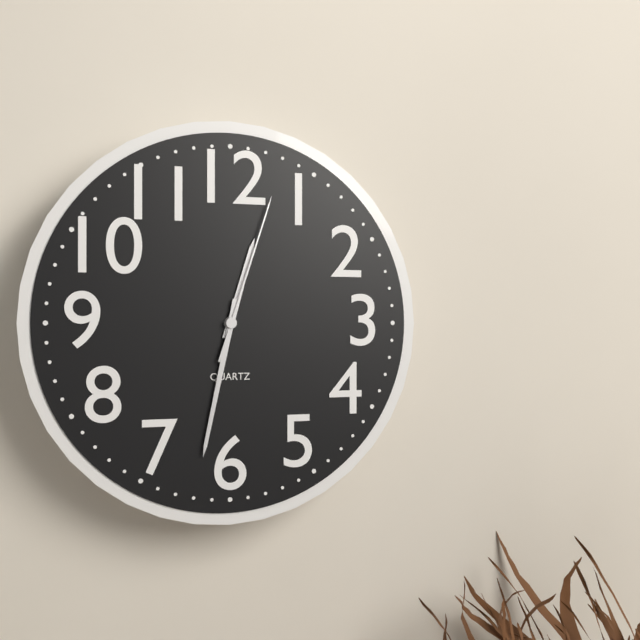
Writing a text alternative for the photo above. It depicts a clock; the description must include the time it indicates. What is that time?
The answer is 12:32:03
